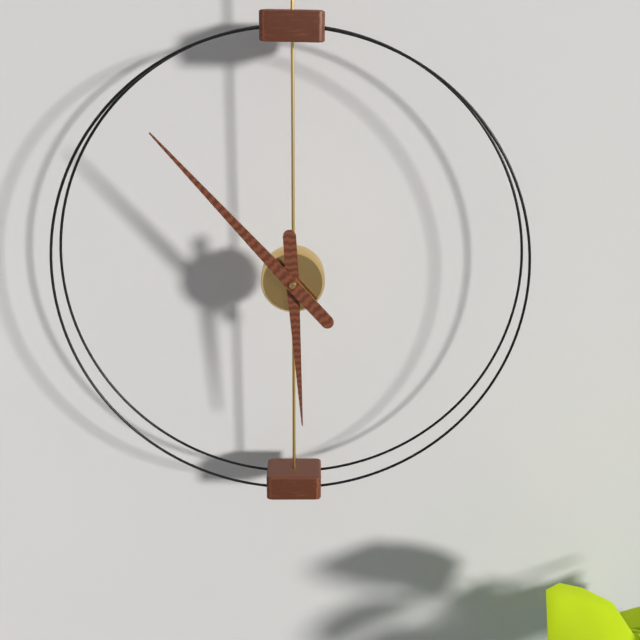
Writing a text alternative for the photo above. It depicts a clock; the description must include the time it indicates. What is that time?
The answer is 5:53
